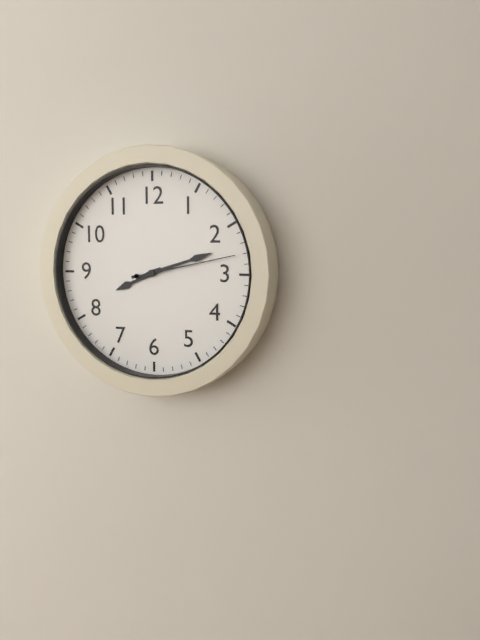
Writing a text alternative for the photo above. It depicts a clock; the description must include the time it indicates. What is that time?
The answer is 8:12:13
